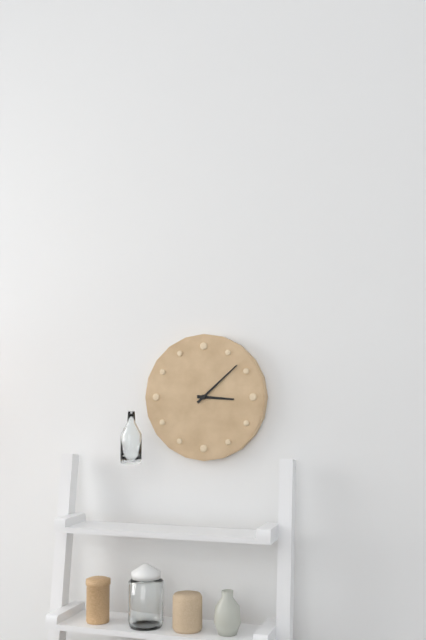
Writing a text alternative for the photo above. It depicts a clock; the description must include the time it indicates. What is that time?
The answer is 3:08
